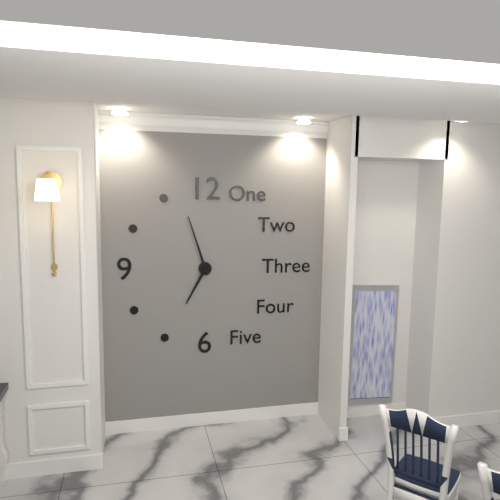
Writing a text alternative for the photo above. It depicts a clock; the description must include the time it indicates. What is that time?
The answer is 6:57
